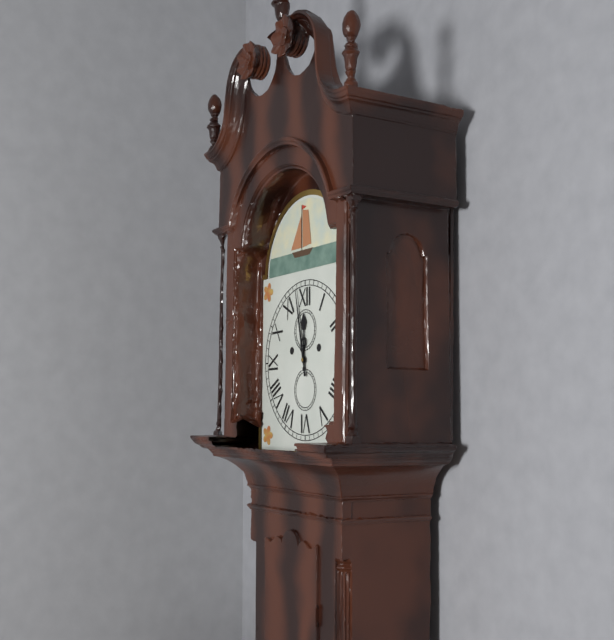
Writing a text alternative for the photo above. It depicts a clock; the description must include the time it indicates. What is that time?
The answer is 11:58
